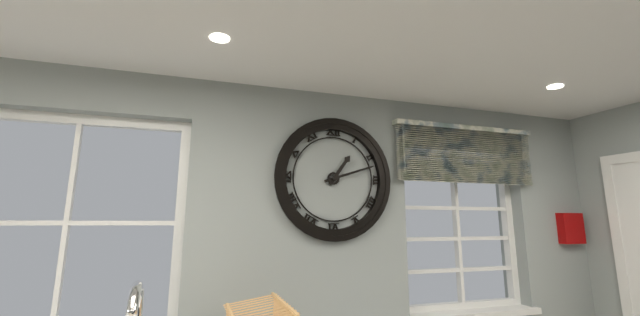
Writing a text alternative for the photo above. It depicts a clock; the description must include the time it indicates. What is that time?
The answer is 1:12
